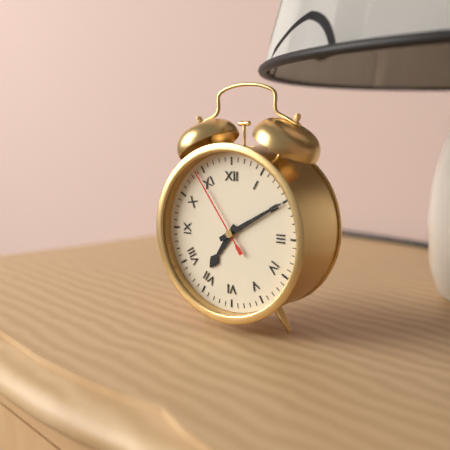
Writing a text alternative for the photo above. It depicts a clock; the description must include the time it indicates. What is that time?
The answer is 7:10:54
